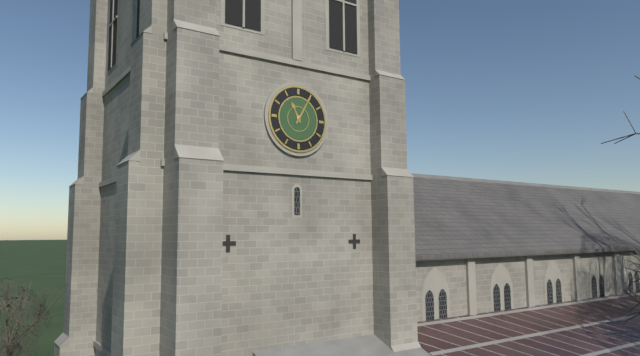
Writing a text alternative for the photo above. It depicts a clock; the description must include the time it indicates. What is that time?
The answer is 11:05
